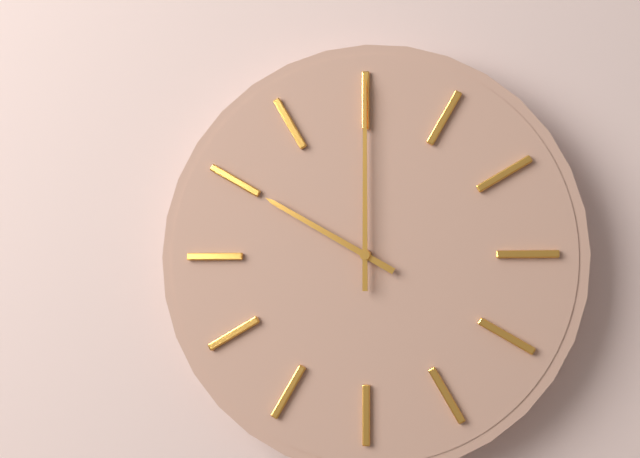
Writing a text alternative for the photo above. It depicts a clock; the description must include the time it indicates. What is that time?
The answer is 10:00
